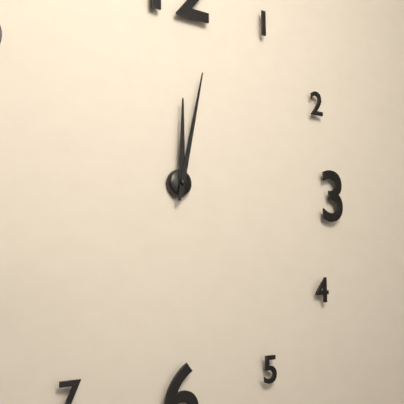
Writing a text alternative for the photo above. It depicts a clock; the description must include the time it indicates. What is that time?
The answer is 12:02
